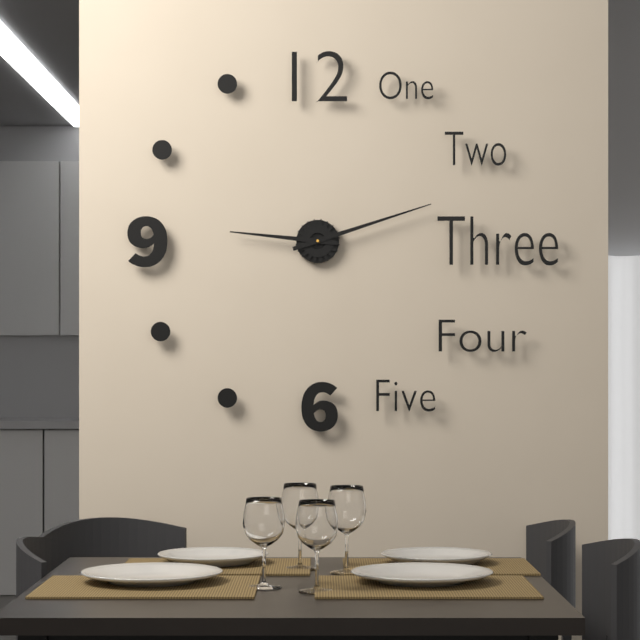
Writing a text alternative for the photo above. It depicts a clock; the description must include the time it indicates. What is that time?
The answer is 9:12
